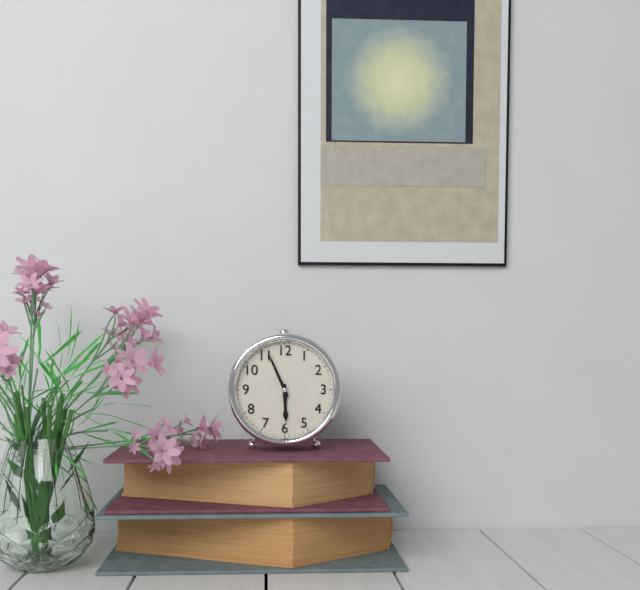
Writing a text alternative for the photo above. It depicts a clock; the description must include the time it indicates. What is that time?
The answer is 5:56
